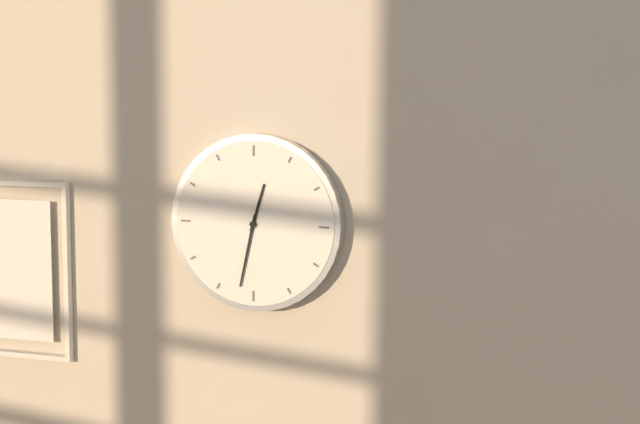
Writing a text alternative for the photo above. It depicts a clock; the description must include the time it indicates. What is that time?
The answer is 12:32
